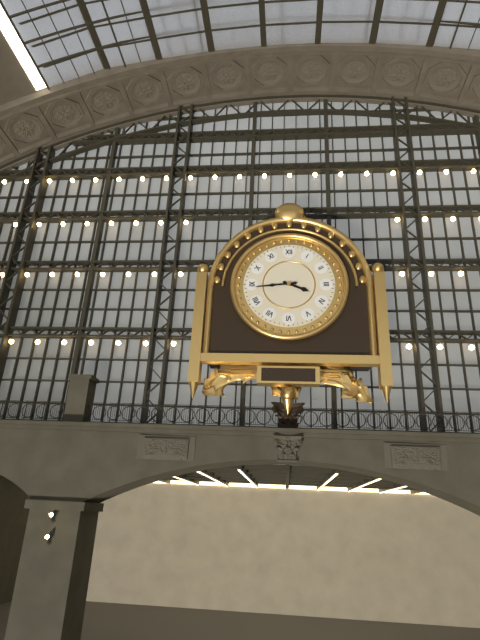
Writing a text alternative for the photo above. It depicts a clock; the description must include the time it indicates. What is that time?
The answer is 3:44
